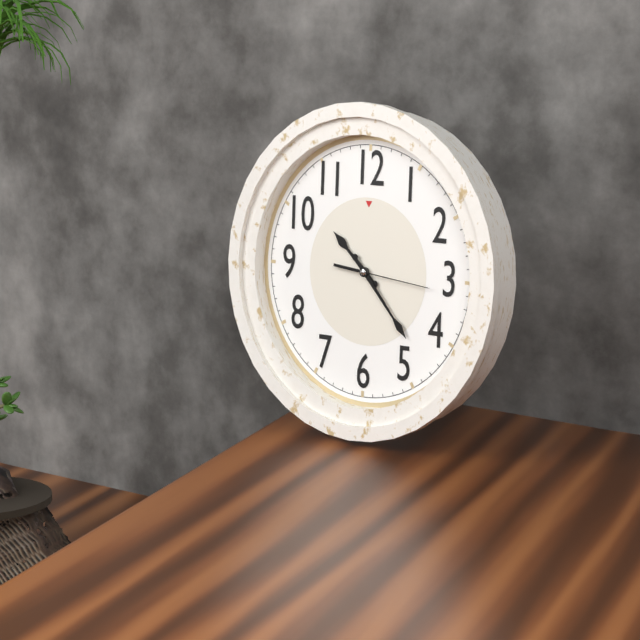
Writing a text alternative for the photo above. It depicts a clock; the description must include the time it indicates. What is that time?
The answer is 10:23:16
